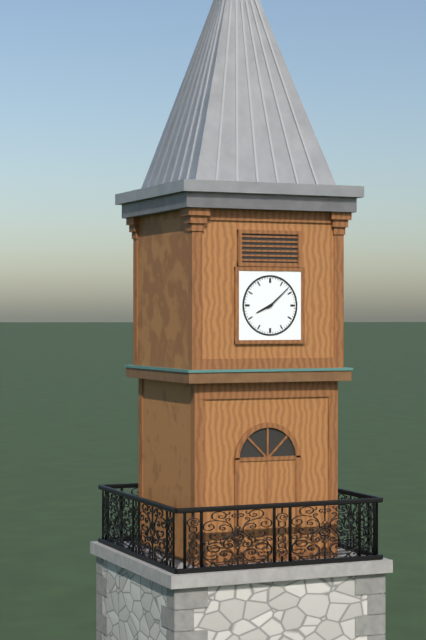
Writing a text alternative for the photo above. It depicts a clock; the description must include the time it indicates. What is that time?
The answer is 8:08
